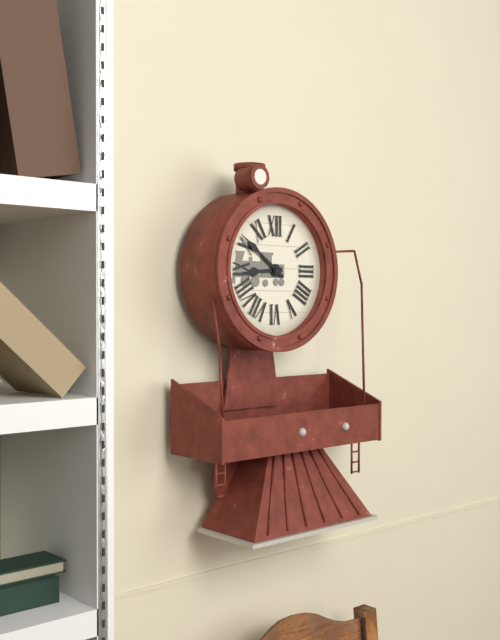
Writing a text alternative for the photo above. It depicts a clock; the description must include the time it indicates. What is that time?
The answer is 8:51
